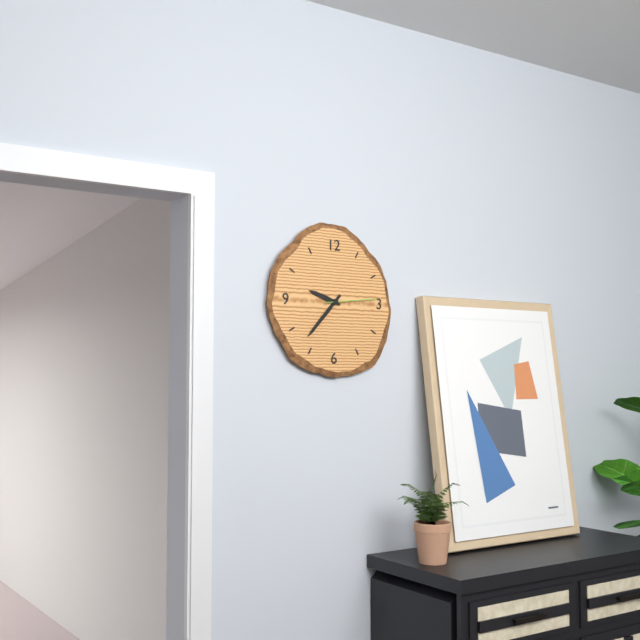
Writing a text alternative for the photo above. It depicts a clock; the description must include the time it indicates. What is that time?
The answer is 9:37:14
